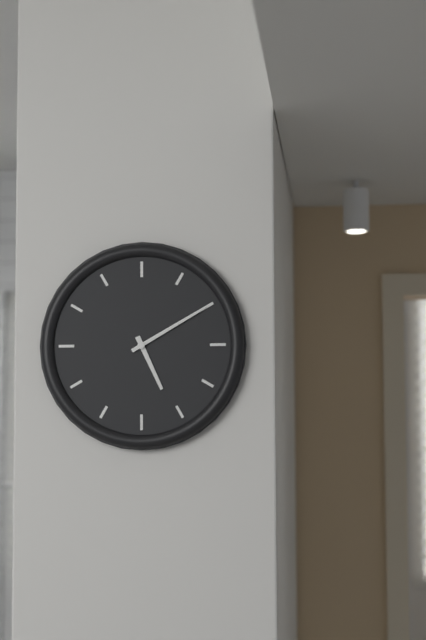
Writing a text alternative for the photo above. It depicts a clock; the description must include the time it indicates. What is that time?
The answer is 5:10
